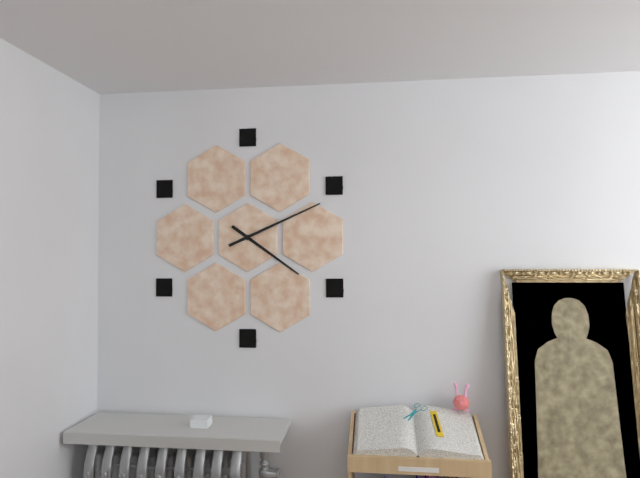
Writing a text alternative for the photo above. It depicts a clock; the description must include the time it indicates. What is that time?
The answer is 4:11
